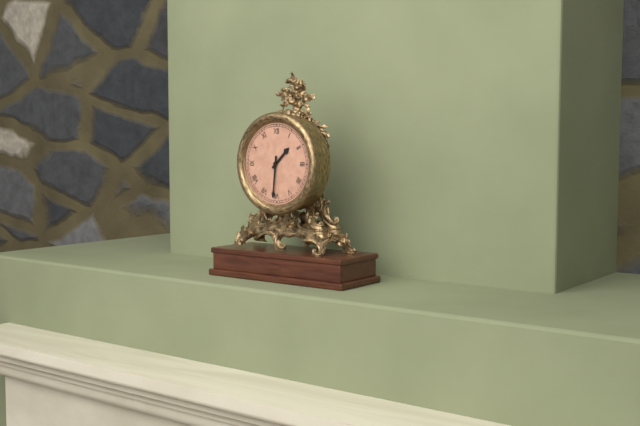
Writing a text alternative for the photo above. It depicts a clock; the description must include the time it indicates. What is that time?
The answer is 1:31
